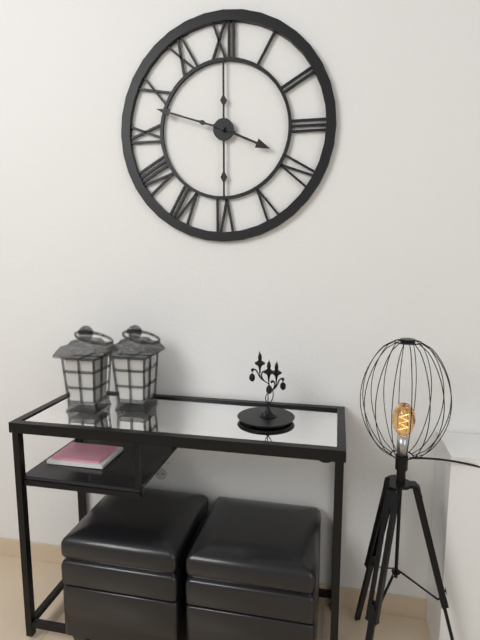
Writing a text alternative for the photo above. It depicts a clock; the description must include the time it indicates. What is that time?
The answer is 3:48
